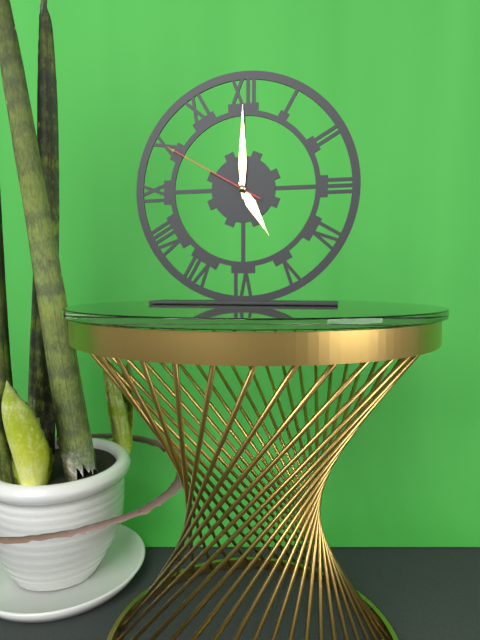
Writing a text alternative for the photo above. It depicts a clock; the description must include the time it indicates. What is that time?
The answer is 5:00:50
